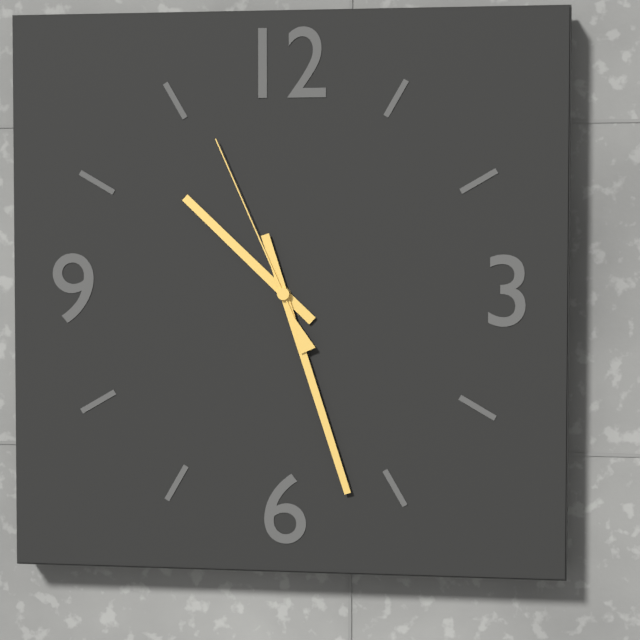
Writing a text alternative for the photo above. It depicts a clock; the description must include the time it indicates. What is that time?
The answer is 10:27:56
